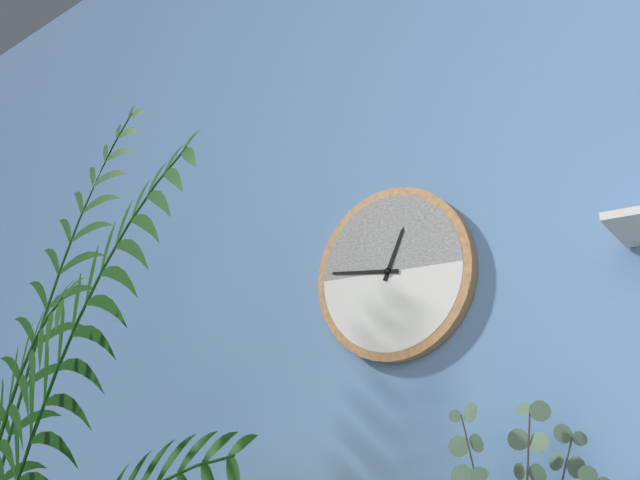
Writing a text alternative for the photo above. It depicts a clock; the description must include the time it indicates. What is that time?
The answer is 12:46
